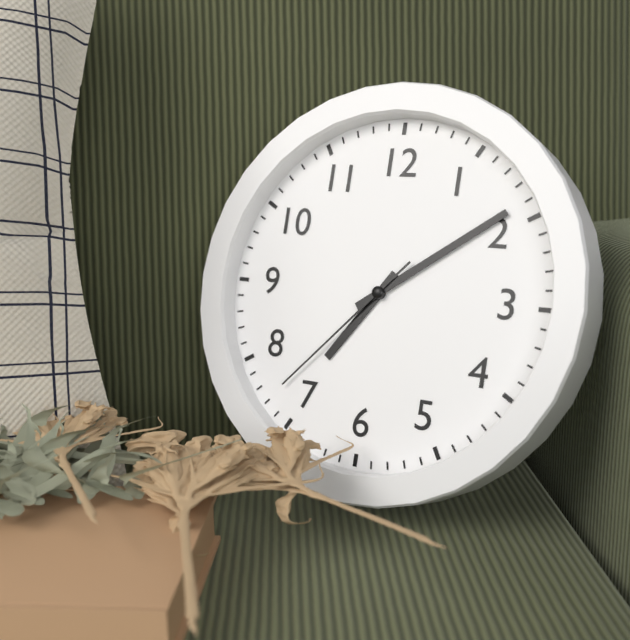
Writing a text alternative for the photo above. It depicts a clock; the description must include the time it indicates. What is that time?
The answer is 7:09:37
